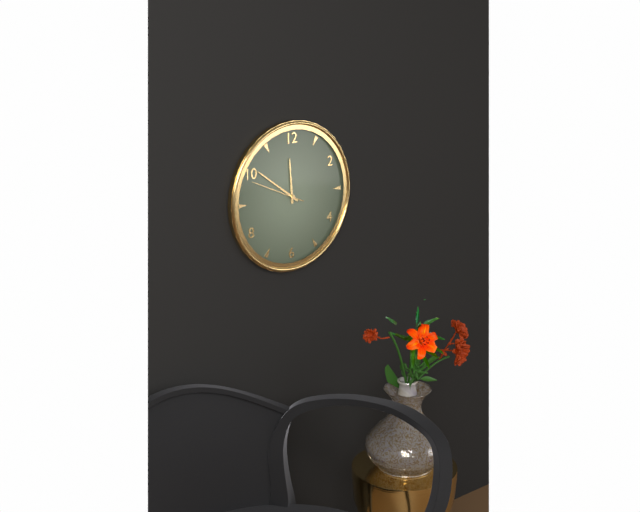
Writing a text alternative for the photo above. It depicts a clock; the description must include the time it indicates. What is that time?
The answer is 11:51:49
